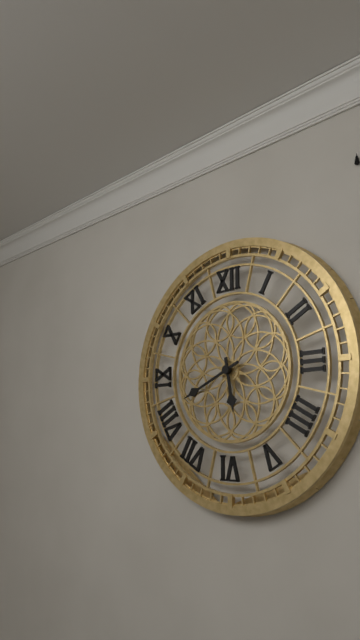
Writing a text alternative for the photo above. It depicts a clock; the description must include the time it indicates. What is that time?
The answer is 5:41
